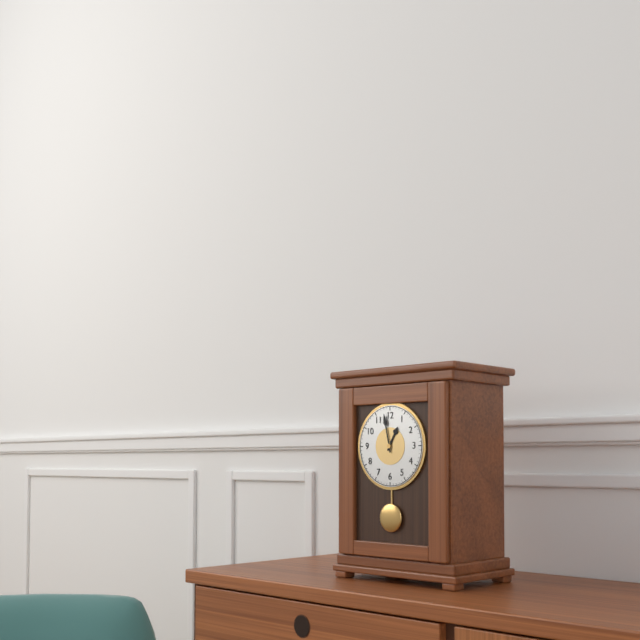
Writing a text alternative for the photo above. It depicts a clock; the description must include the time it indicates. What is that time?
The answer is 12:58
